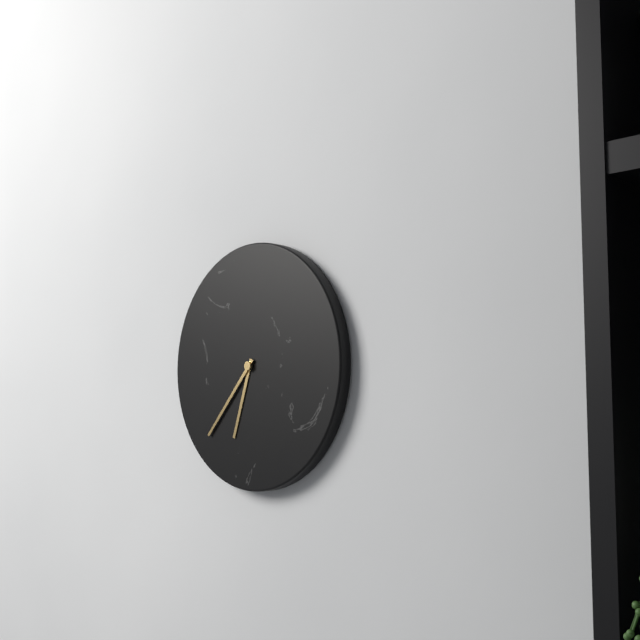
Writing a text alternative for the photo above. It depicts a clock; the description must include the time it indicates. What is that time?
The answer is 6:37
